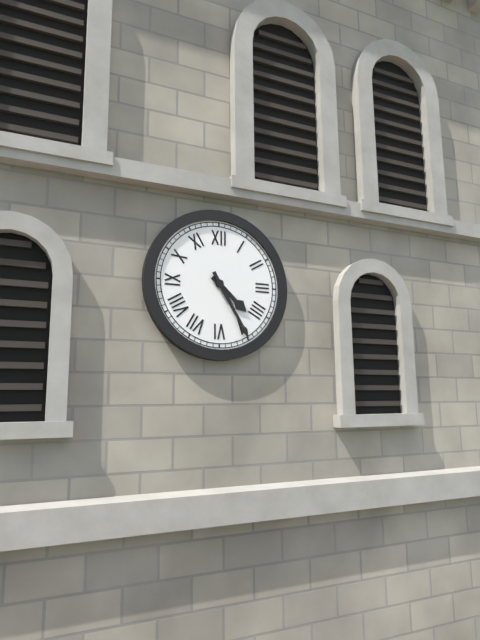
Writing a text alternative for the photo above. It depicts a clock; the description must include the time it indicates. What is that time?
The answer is 4:25
